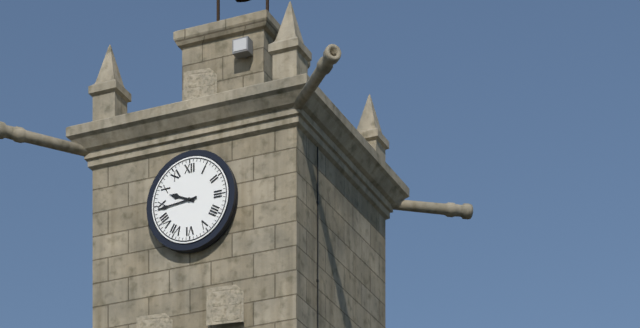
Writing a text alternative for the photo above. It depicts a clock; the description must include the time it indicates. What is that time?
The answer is 9:44
